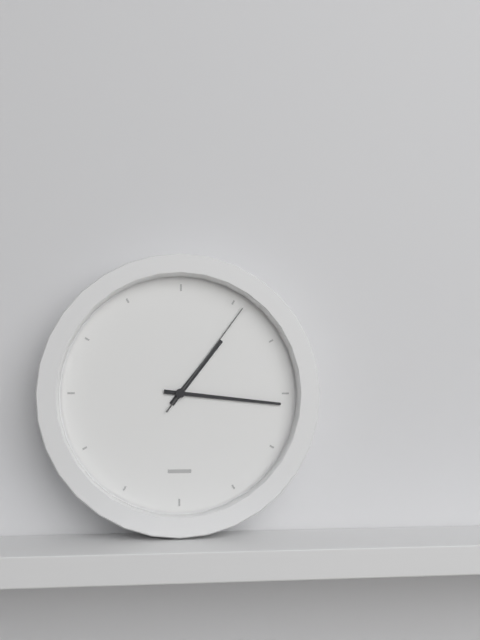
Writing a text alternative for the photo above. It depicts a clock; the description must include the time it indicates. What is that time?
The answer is 1:16:06
